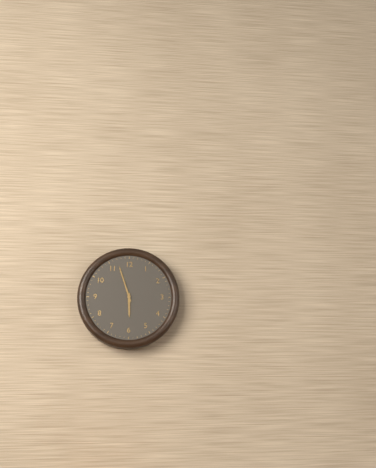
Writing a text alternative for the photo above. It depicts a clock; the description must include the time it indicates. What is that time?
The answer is 5:57
